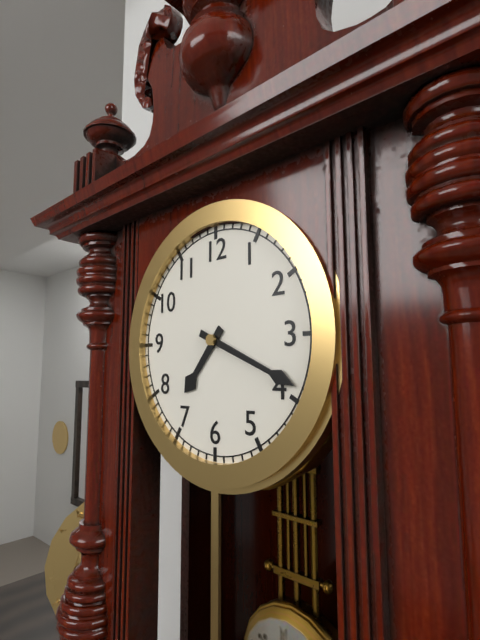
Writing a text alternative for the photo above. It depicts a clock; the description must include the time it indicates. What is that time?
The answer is 7:19
